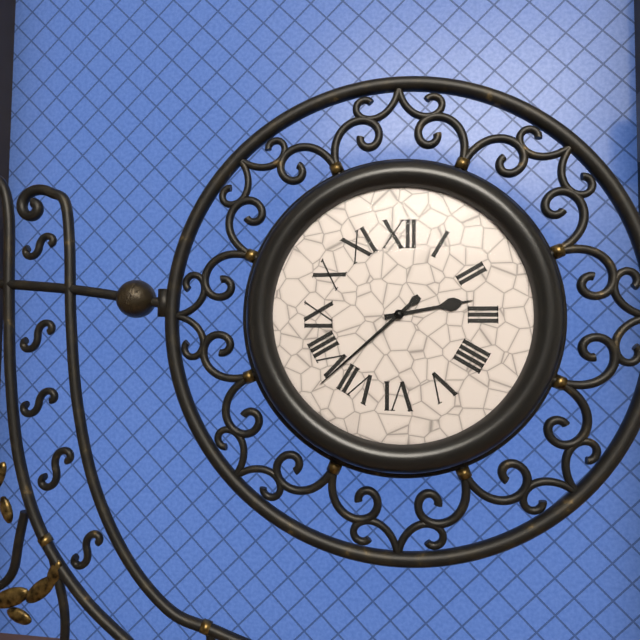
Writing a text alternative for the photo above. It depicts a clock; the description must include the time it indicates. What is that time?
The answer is 2:38
